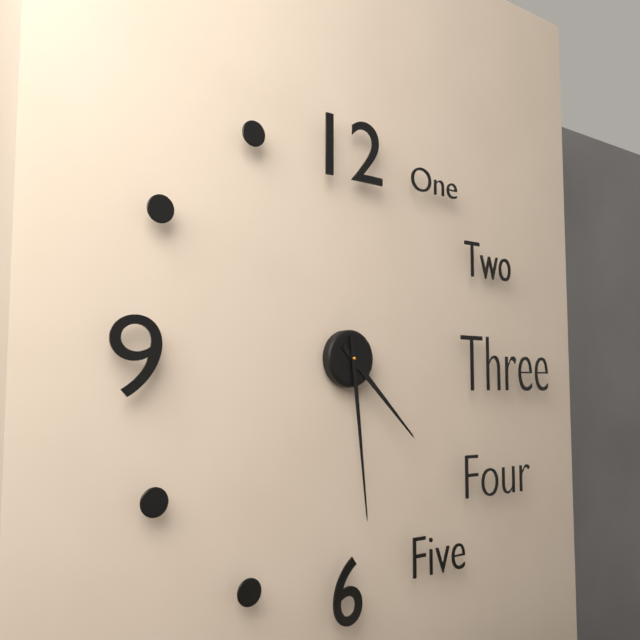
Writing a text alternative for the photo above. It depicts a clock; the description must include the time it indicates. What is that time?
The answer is 4:29
